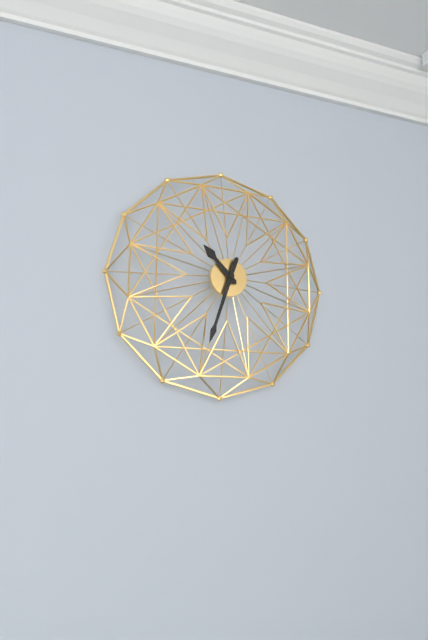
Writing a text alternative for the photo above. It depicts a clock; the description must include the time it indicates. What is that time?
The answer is 10:33
